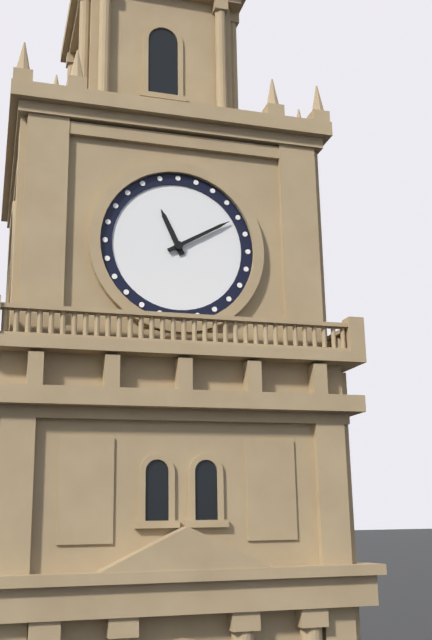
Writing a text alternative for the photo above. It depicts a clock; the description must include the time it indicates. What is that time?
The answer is 11:10
